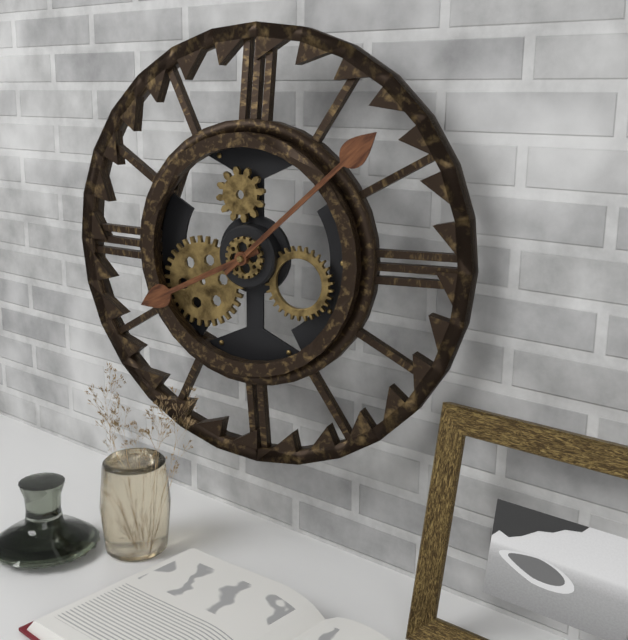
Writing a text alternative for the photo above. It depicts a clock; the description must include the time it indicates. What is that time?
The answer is 8:08
